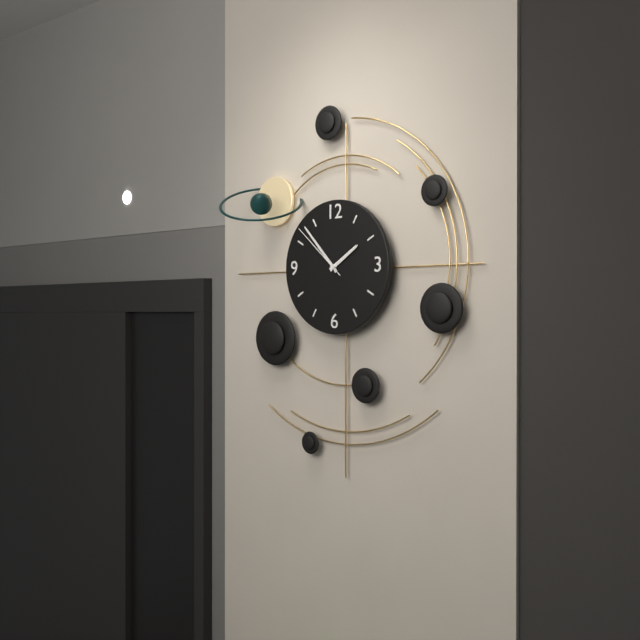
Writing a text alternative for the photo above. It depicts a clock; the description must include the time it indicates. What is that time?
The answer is 1:53:52
